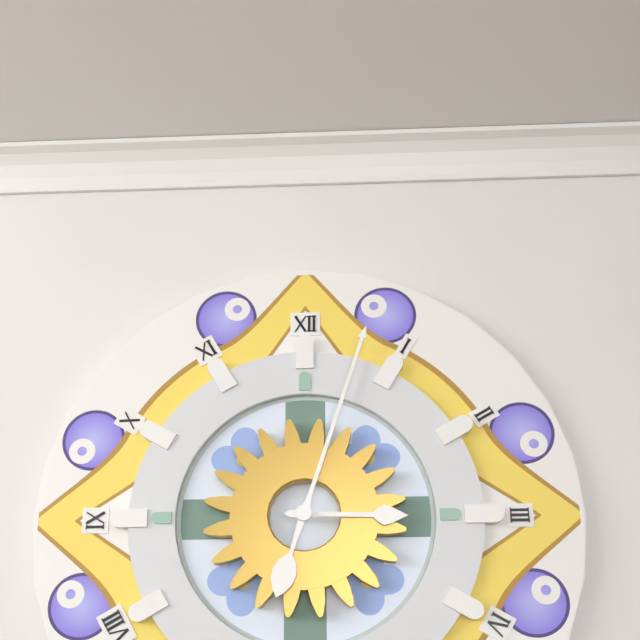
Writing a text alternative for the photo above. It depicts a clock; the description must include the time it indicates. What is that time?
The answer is 3:03
